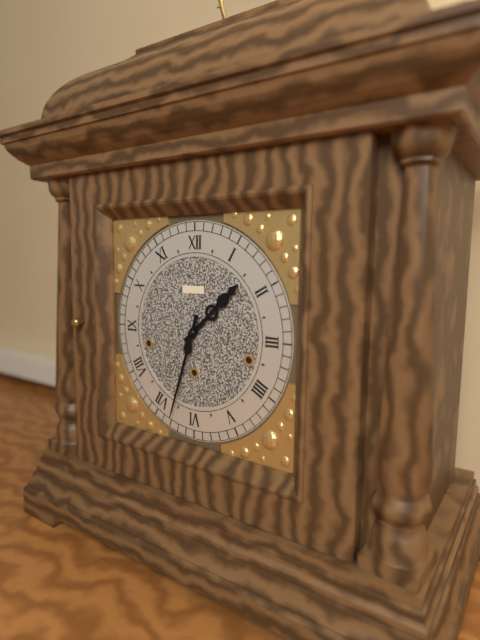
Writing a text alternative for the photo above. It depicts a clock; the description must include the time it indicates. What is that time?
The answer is 1:33
